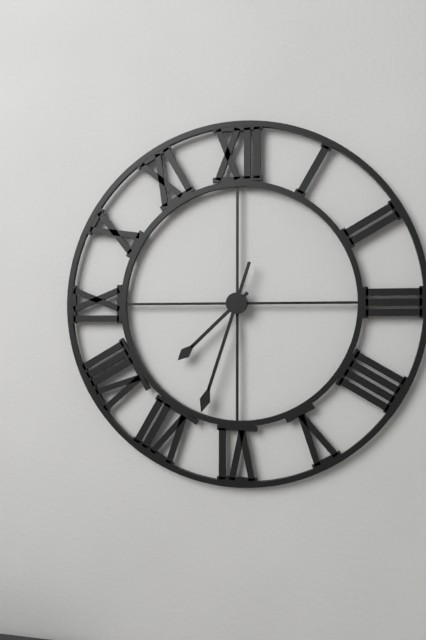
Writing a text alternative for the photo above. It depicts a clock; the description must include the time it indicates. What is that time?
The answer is 7:33
